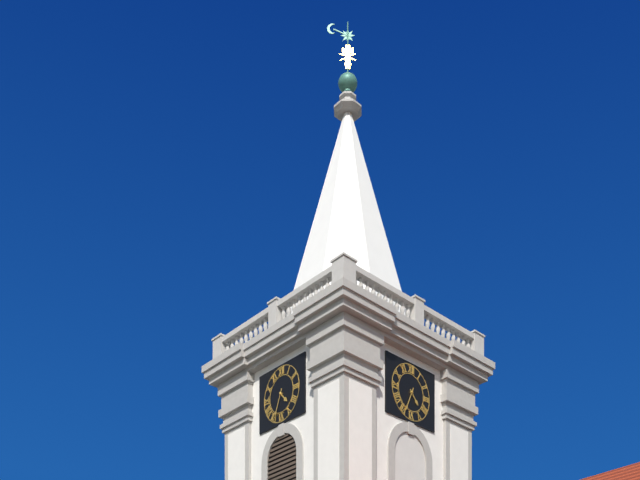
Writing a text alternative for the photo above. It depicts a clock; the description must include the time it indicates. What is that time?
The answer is 4:34
